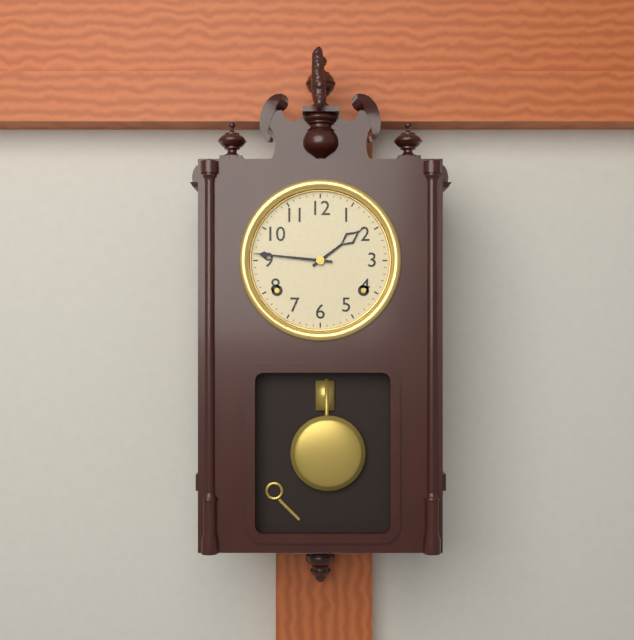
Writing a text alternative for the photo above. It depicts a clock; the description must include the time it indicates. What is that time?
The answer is 1:46
